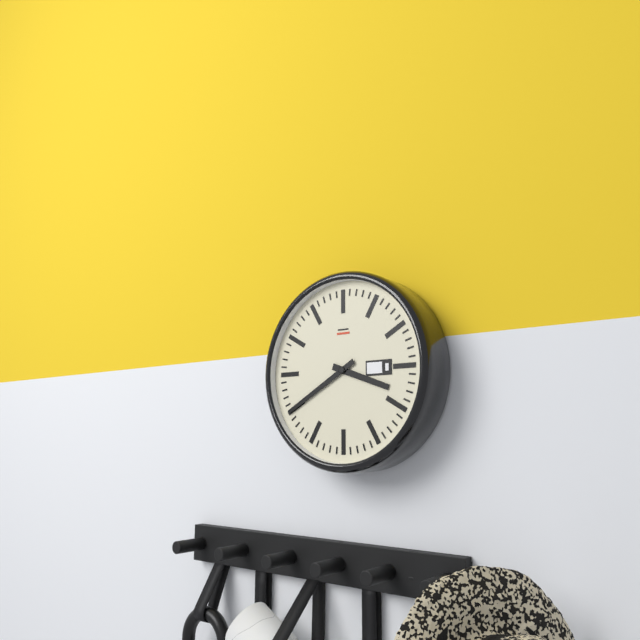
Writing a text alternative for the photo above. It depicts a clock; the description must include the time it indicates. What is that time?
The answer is 3:40
